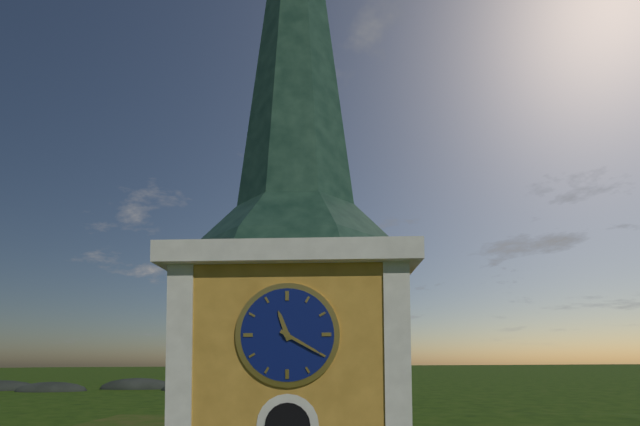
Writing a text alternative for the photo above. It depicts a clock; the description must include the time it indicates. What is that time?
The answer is 11:20
